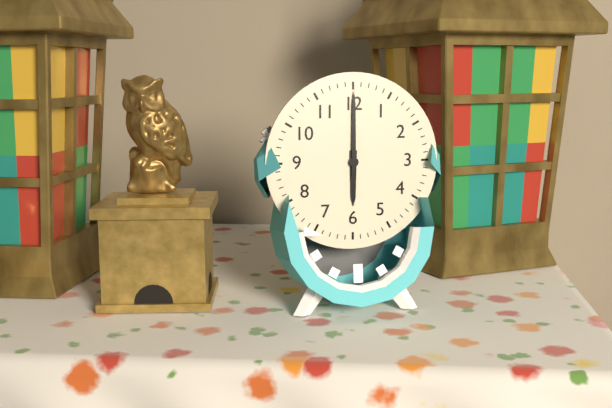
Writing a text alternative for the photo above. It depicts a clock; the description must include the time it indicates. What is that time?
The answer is 6:00
